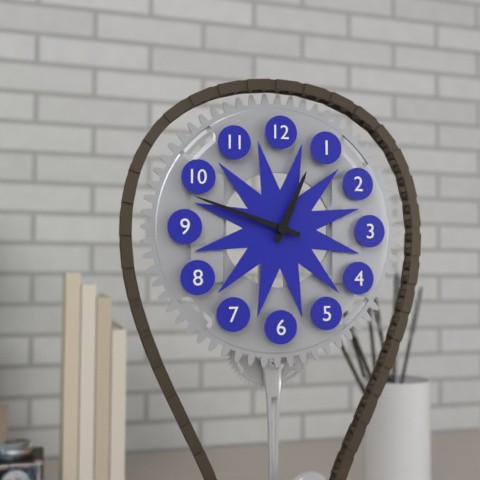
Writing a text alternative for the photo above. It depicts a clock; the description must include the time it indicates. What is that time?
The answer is 12:48
